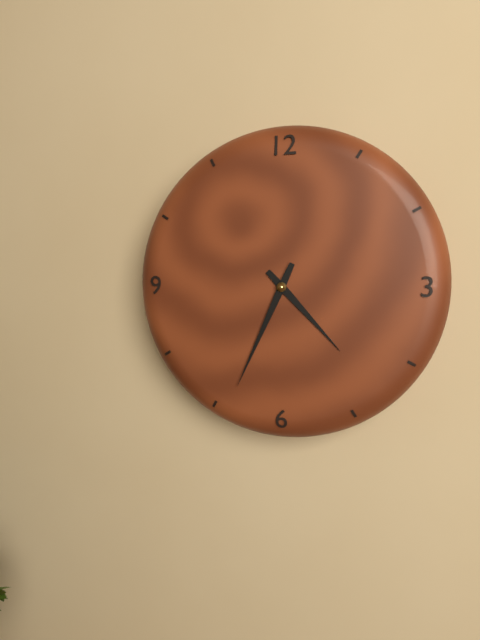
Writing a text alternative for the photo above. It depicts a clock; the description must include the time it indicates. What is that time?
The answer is 4:34
